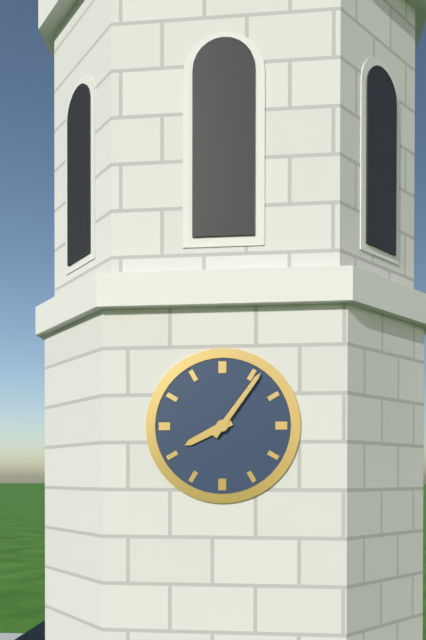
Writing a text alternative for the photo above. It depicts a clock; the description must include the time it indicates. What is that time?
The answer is 8:06
